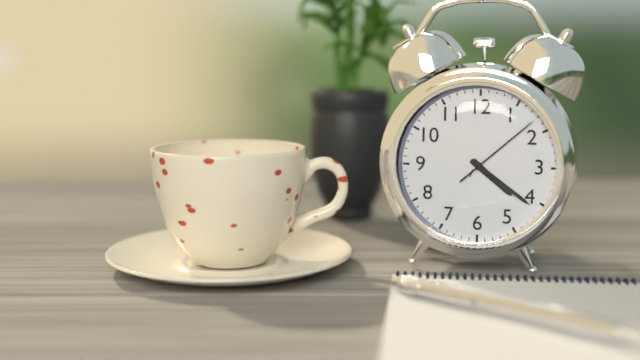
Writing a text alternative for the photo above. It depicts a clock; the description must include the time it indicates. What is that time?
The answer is 4:21:08
